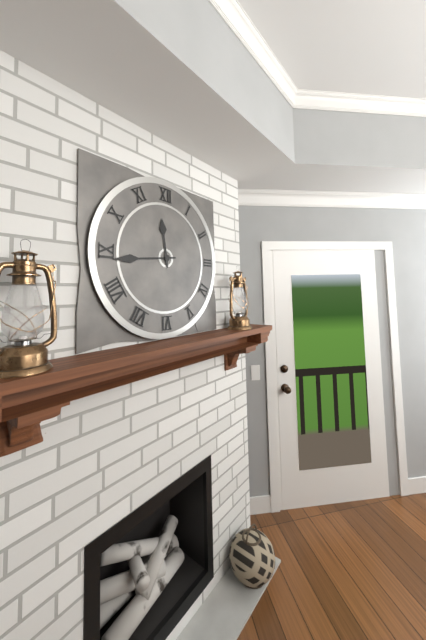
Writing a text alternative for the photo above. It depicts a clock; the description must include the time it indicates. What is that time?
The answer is 11:44
